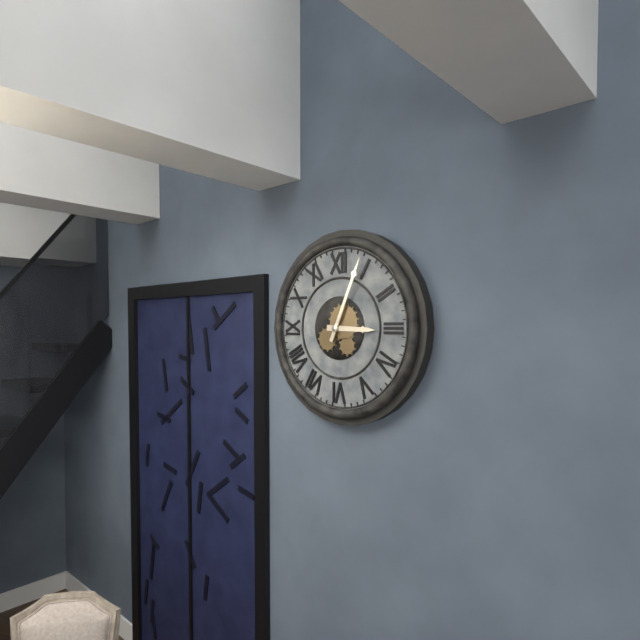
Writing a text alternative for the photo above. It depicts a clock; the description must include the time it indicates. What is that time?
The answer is 3:04
